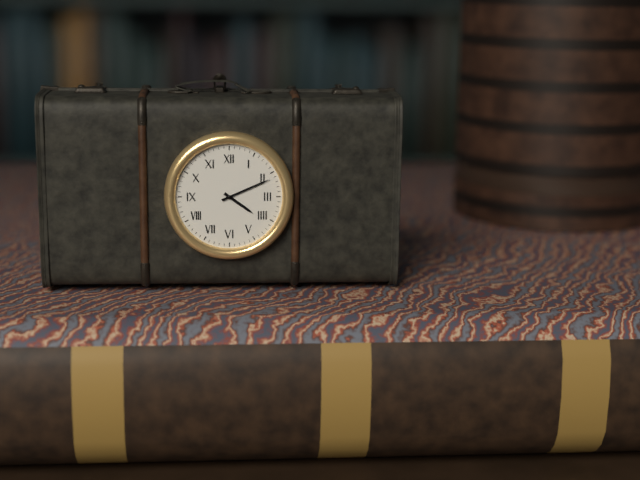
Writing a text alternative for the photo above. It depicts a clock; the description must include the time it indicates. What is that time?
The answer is 4:11
